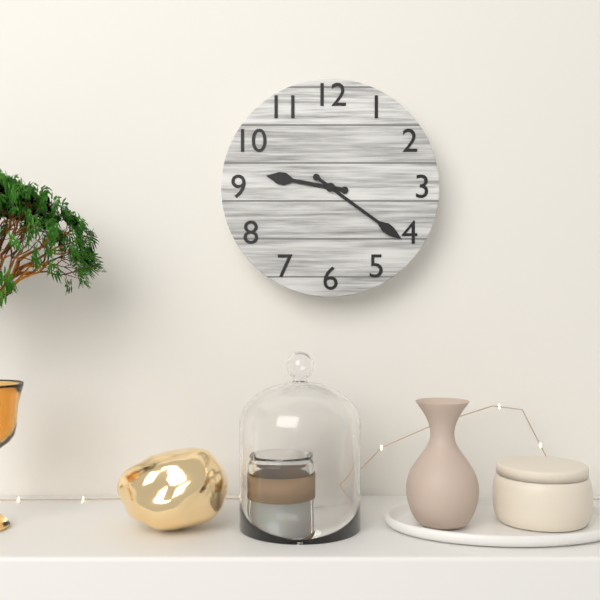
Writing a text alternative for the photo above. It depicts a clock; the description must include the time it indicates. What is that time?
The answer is 9:21
